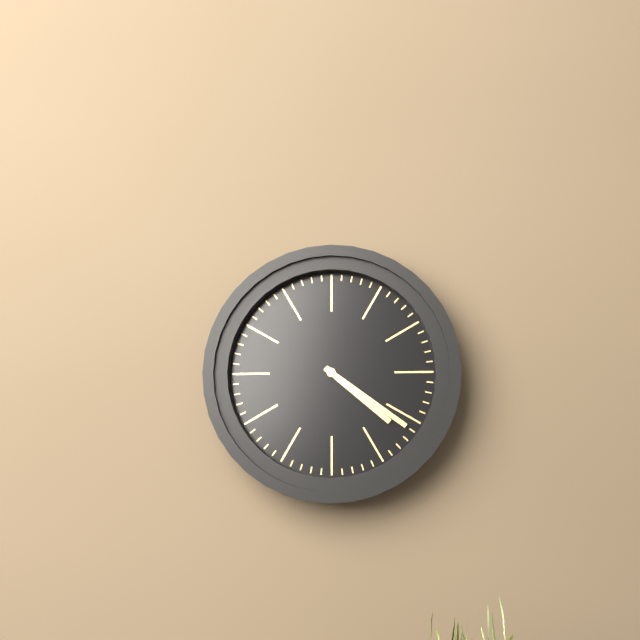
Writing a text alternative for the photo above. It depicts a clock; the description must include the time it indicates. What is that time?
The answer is 4:21
